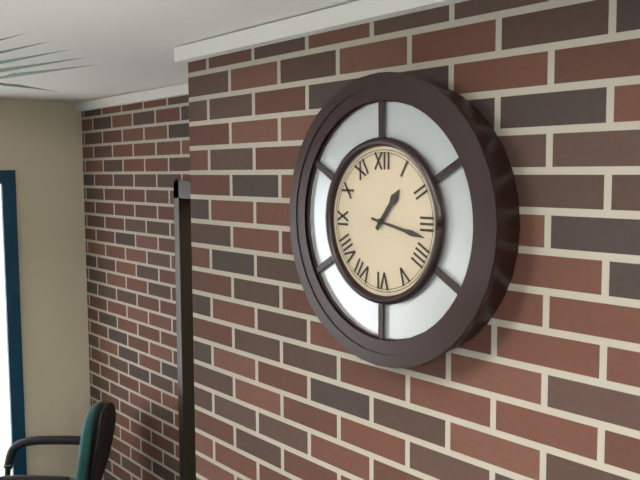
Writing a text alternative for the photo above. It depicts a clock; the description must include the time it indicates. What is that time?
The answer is 1:17
